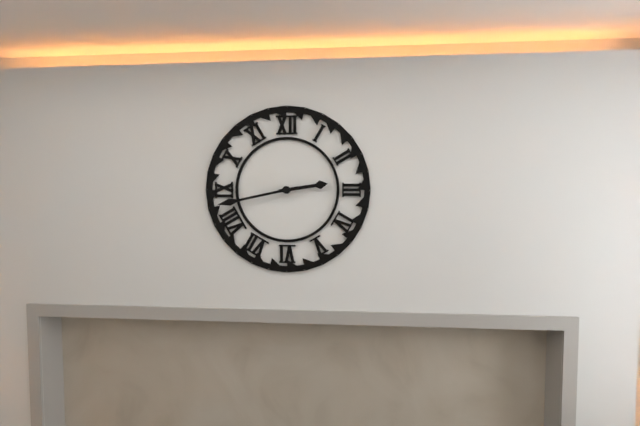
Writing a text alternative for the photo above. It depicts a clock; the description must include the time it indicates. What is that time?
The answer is 2:43
